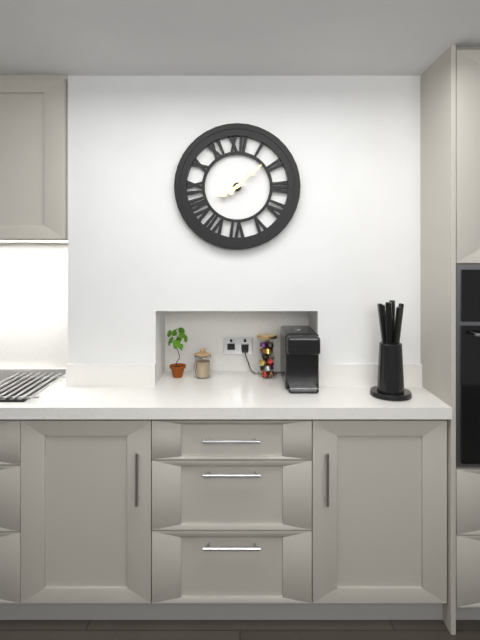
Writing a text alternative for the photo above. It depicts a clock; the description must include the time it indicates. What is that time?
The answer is 8:08
